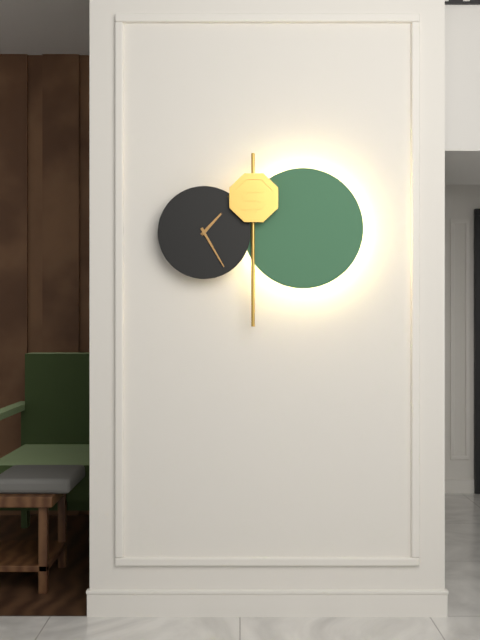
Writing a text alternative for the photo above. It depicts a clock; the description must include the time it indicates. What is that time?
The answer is 1:25
